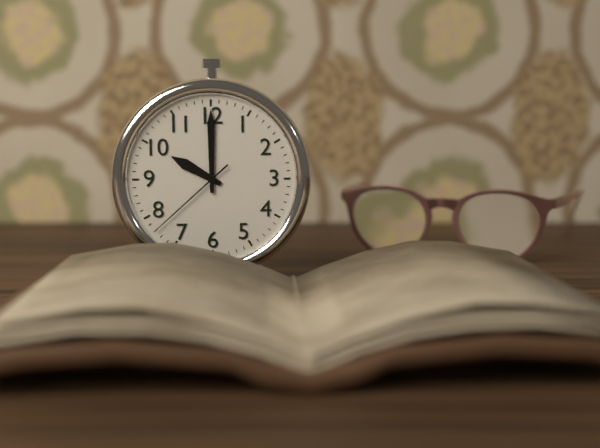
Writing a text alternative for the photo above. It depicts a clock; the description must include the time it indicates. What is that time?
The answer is 10:00:38
